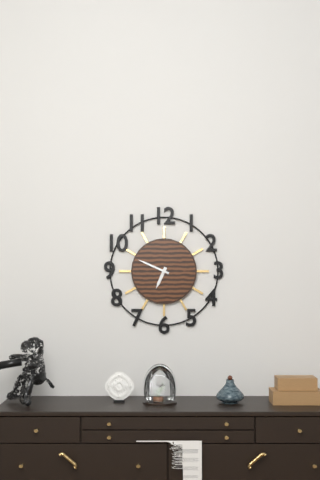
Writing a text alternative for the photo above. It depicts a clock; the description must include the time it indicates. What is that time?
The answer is 6:49
